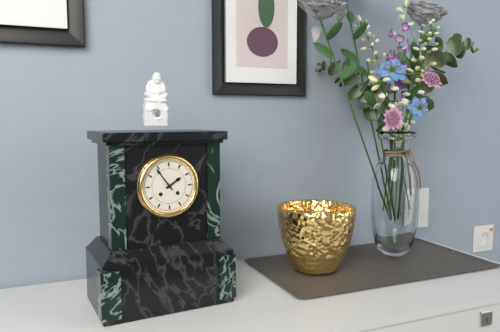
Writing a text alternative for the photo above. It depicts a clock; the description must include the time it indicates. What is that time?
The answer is 1:54
